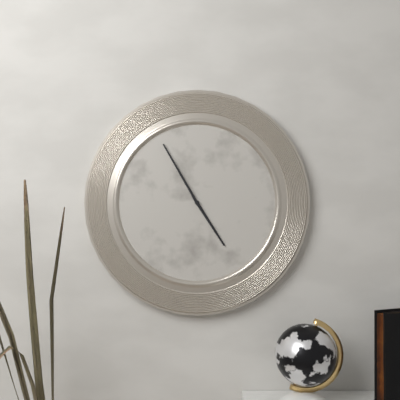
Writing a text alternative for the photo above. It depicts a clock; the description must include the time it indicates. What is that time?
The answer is 4:55
